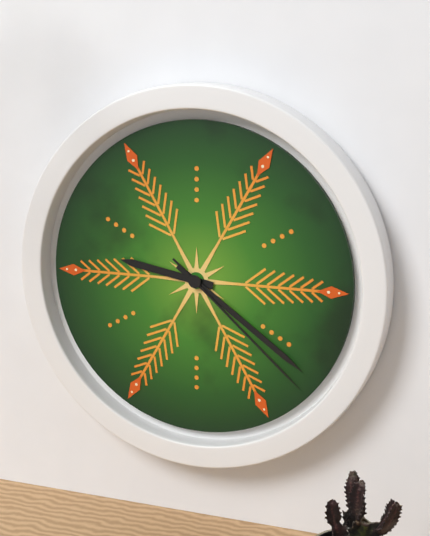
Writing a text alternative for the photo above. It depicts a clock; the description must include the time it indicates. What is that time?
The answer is 9:21:22
